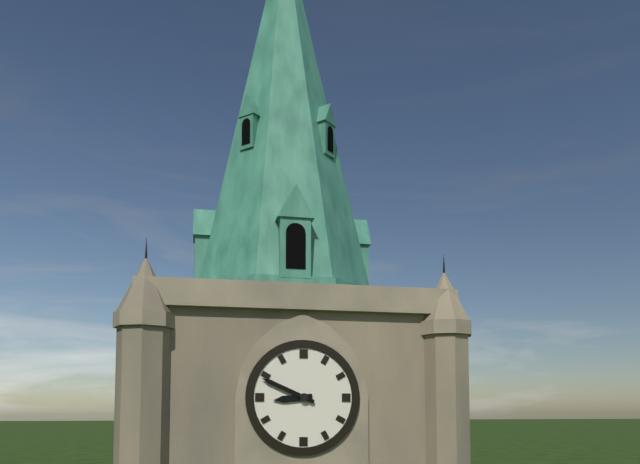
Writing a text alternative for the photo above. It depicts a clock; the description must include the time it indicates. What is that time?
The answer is 8:49
